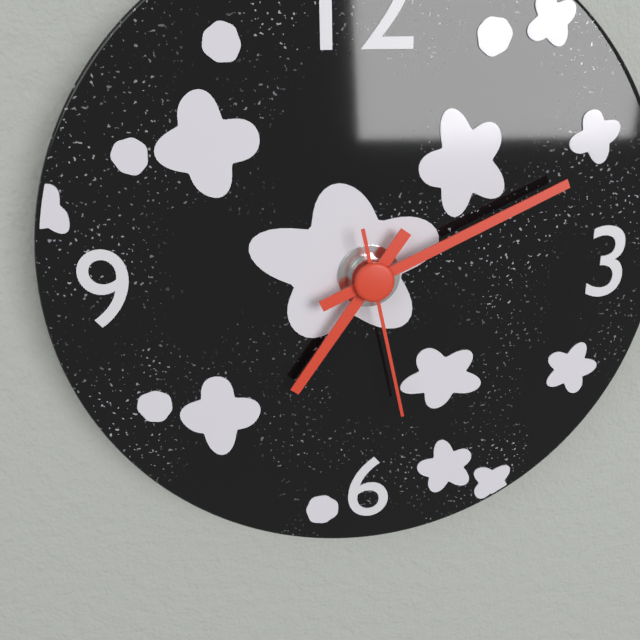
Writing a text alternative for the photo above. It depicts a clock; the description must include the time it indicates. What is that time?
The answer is 7:11:28
